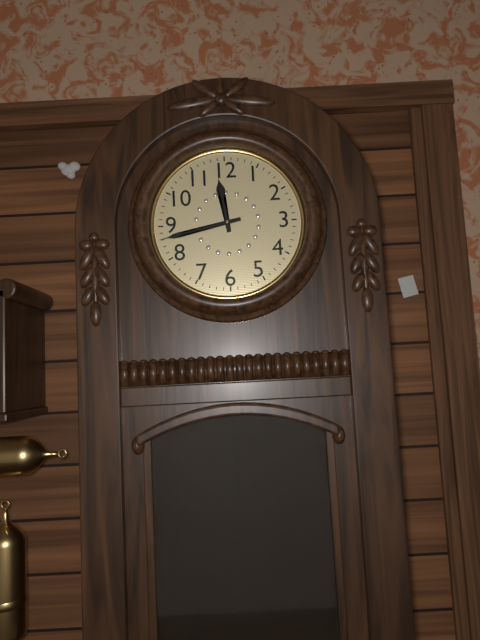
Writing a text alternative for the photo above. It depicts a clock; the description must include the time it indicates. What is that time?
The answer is 11:43
